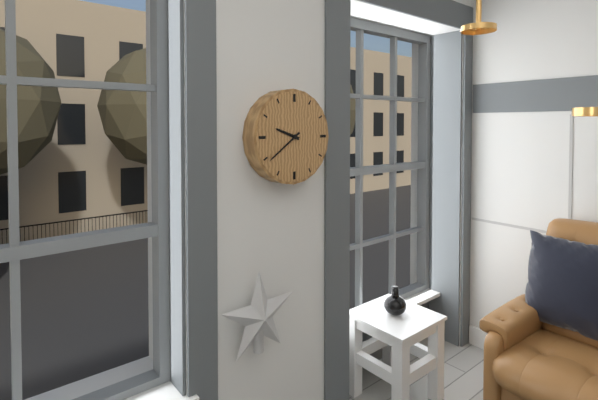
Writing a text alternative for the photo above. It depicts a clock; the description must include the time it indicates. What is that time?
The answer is 9:39
